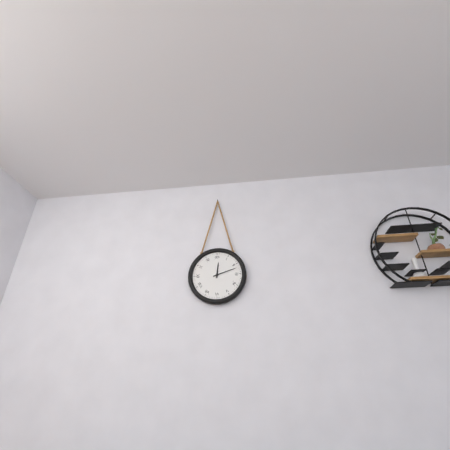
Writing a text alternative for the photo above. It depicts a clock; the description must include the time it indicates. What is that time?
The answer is 12:12
